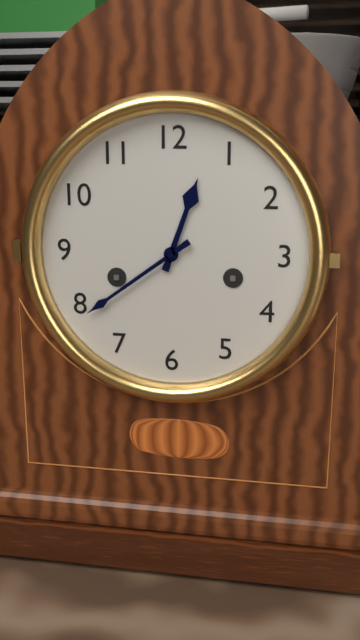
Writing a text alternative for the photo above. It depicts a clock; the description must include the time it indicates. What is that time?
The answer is 12:39
